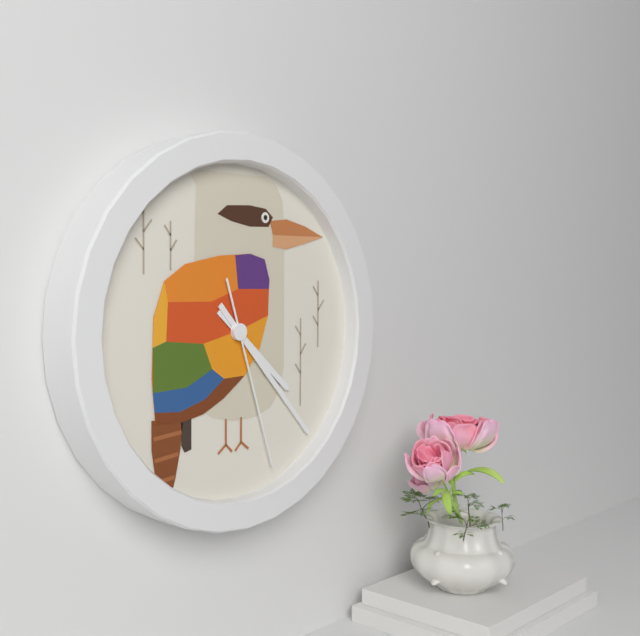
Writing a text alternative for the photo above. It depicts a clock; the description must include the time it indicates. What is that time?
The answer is 4:23:27
